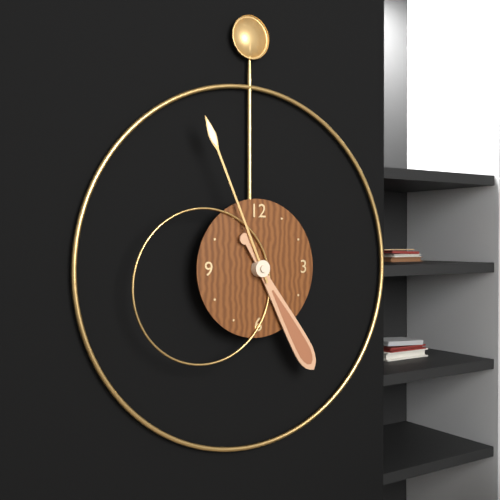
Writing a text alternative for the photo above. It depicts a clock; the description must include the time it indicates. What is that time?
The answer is 4:56
